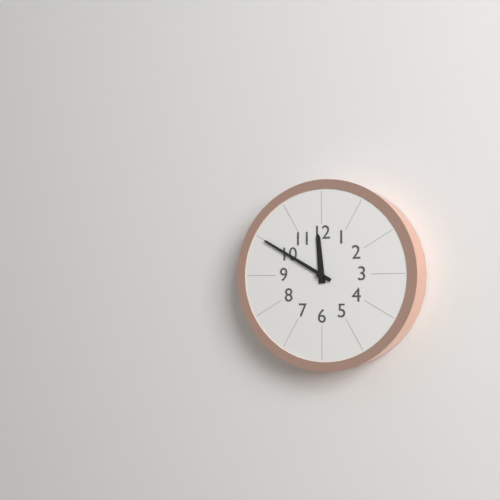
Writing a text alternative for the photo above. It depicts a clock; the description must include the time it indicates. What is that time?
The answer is 11:50
